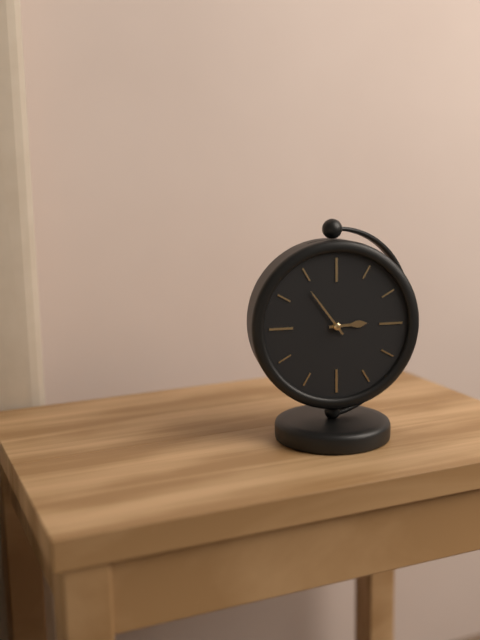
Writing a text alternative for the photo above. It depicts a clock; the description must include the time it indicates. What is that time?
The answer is 2:54
